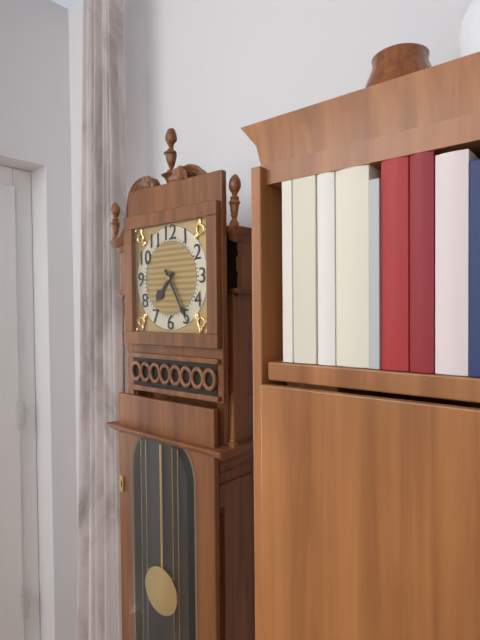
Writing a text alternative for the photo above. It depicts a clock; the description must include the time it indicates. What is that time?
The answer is 7:25
